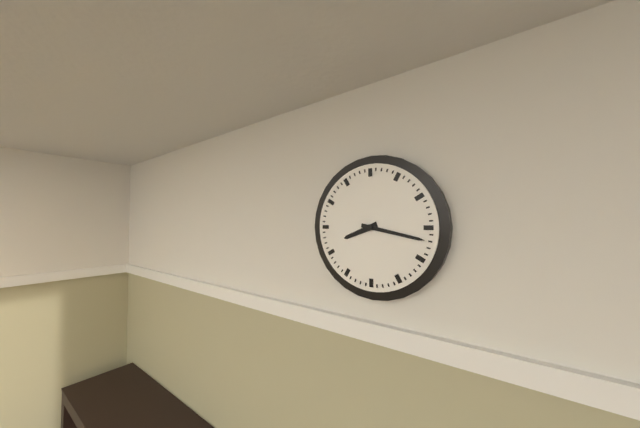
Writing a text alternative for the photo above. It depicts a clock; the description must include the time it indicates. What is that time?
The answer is 8:17
